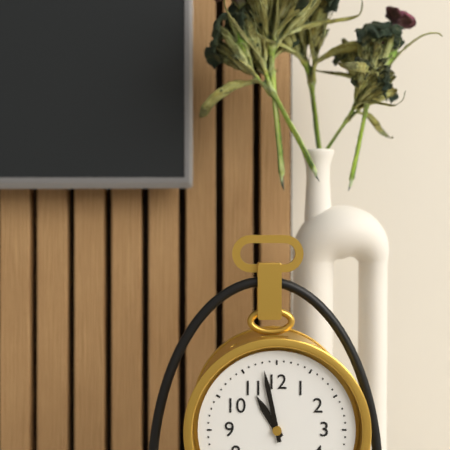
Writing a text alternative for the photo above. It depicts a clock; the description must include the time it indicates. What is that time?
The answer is 10:58
